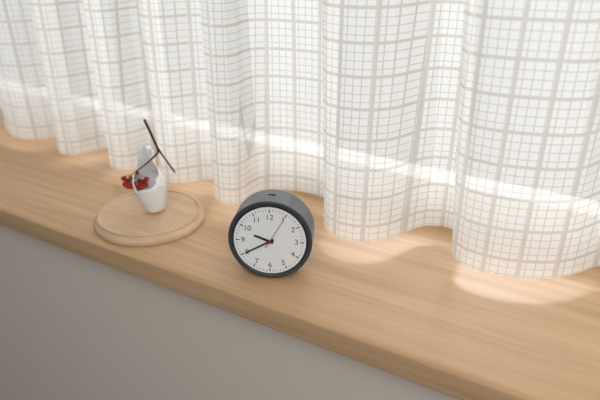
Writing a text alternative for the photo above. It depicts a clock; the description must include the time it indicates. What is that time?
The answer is 9:40
